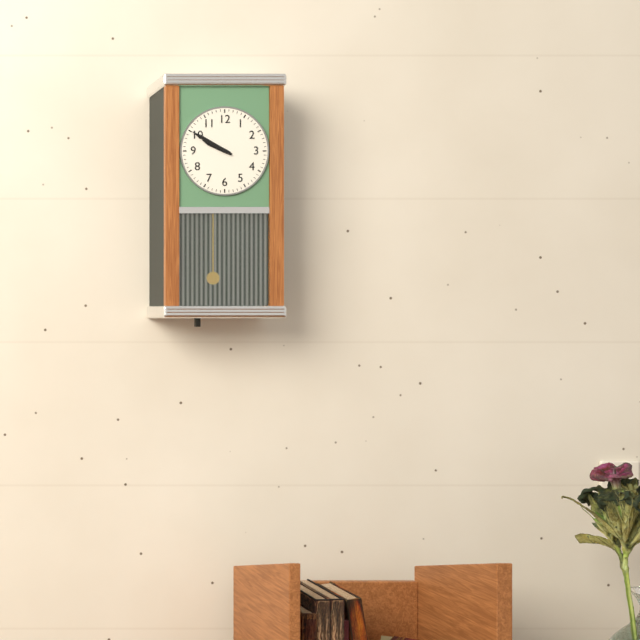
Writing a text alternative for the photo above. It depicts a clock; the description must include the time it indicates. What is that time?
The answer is 9:50
